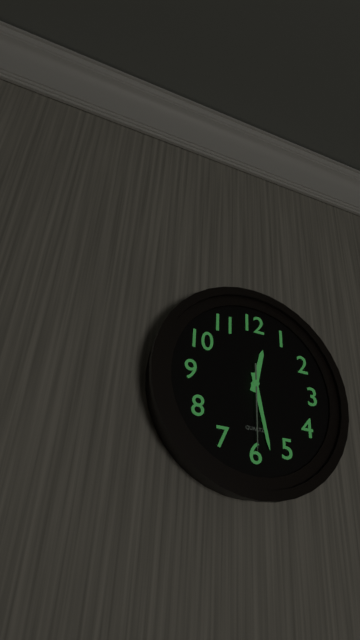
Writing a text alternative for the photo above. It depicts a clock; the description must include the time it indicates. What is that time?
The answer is 12:28:30
